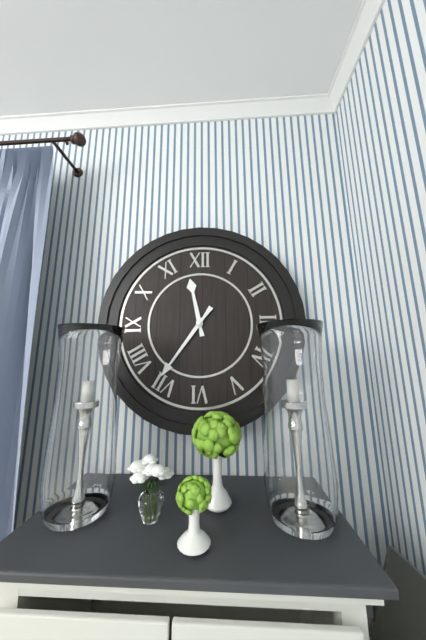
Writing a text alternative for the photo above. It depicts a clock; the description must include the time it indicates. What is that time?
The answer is 11:36
